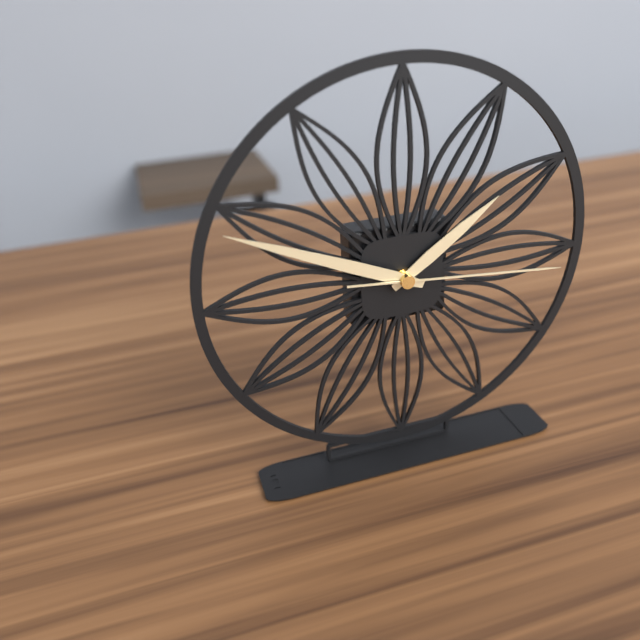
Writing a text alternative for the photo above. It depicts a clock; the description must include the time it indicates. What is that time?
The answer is 1:49:16
